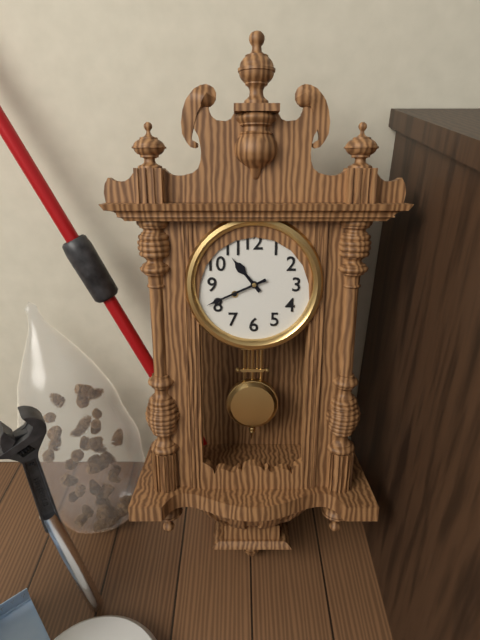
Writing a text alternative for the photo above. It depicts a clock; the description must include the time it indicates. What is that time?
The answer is 10:41
